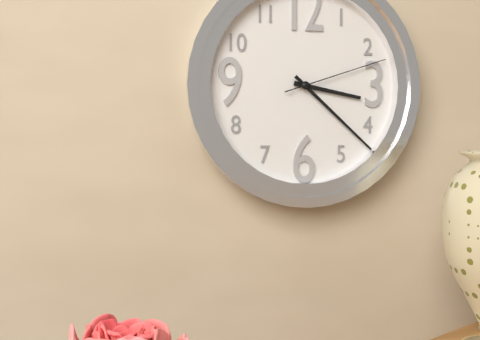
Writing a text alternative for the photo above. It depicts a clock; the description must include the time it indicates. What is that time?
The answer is 3:22:12
